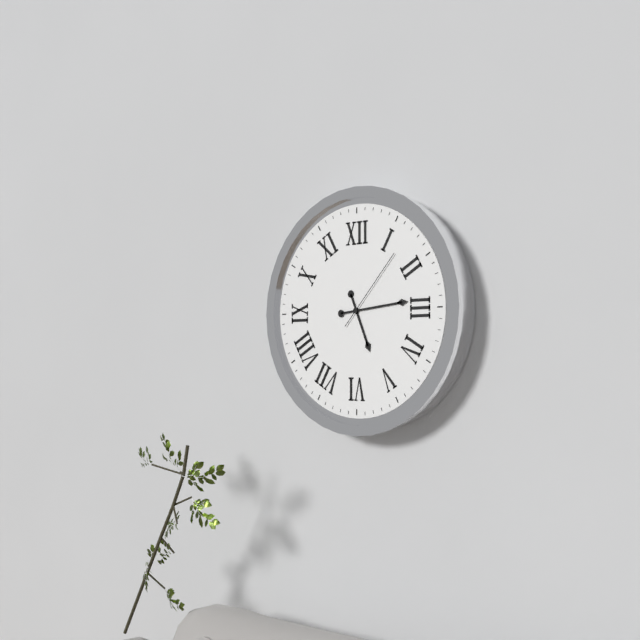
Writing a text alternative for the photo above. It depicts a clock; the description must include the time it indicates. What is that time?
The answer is 5:14:07
